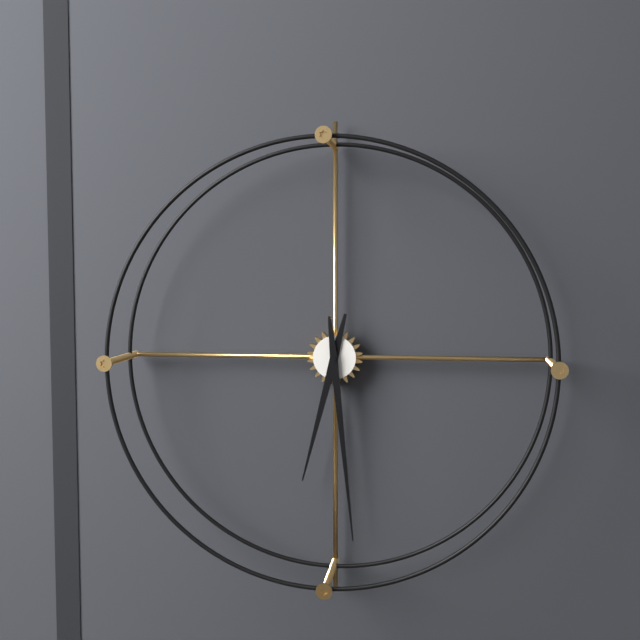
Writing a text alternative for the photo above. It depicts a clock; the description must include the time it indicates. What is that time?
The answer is 6:29
